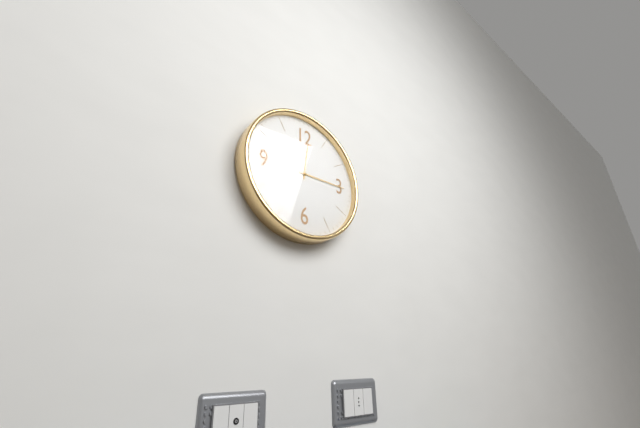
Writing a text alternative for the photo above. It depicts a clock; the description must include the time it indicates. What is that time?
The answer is 12:15
